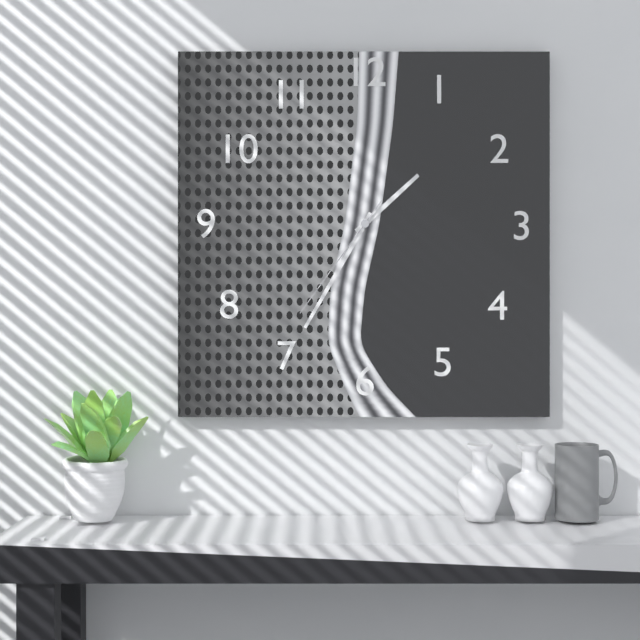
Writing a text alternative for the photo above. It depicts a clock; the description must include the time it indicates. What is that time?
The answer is 1:35:36
